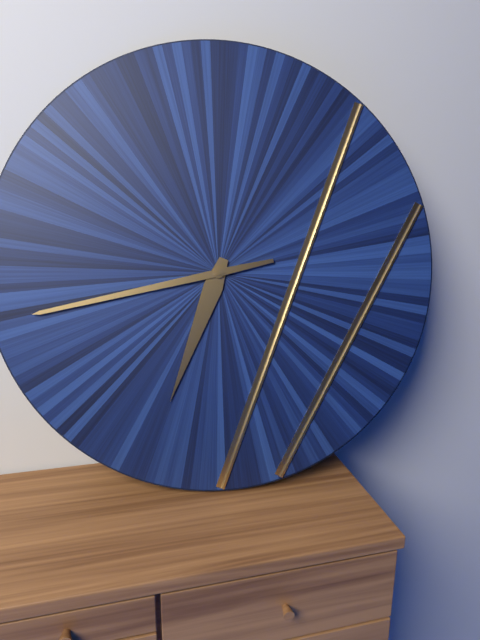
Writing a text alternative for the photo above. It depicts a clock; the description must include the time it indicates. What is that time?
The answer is 6:43
